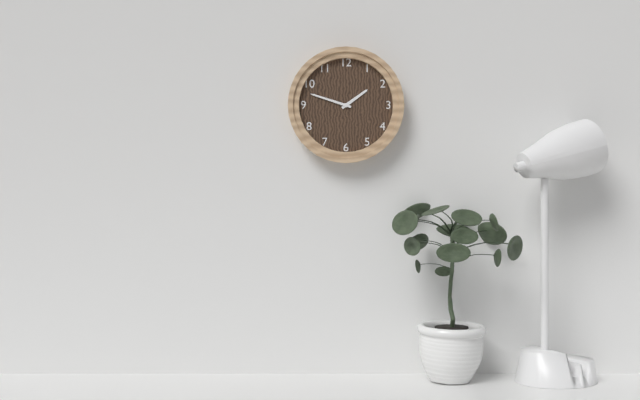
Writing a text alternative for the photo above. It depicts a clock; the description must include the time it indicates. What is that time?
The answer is 1:48
